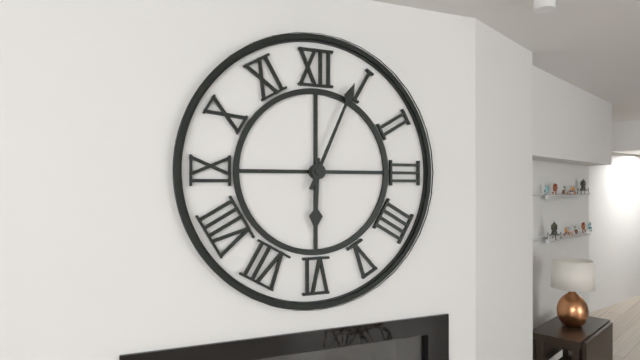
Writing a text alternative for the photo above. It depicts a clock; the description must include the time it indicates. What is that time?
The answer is 6:04
